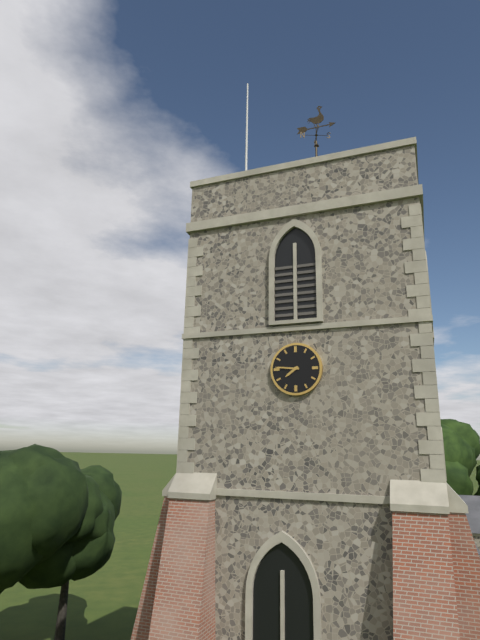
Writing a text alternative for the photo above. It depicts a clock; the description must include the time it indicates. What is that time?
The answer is 7:46
